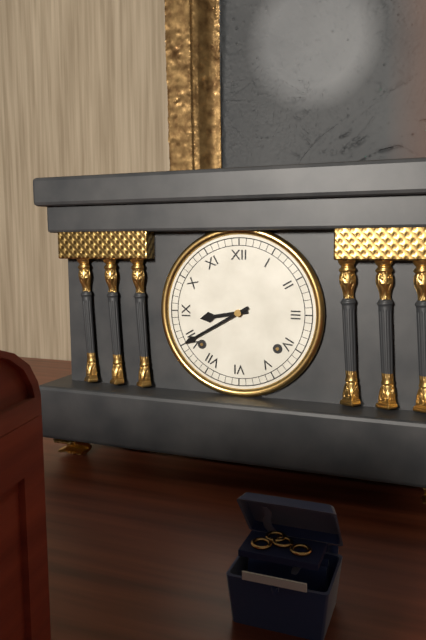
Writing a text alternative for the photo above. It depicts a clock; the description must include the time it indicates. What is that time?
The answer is 8:40
